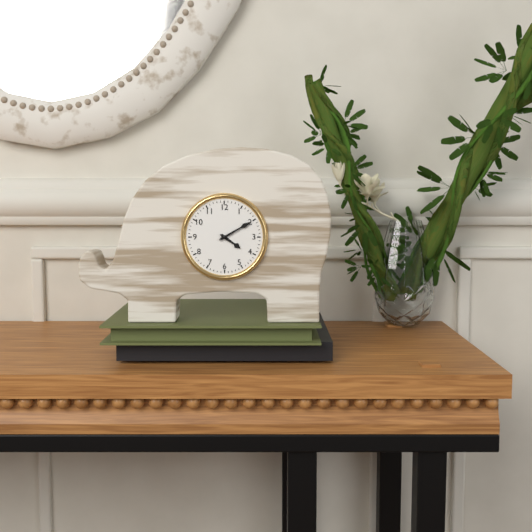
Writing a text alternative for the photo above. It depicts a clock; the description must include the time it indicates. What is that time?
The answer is 4:10
